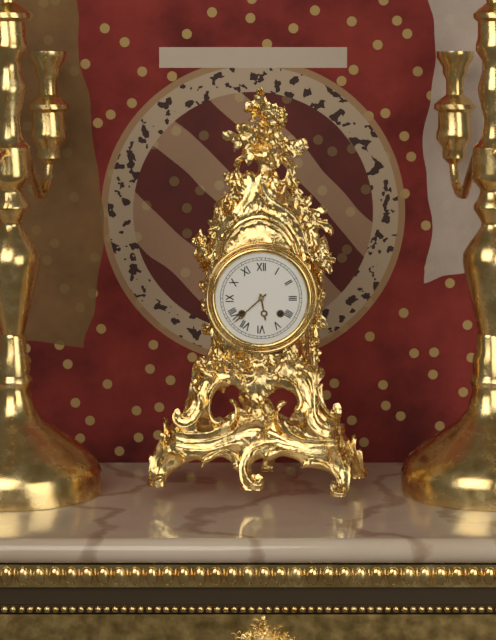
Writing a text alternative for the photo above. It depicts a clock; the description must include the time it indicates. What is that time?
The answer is 5:38
